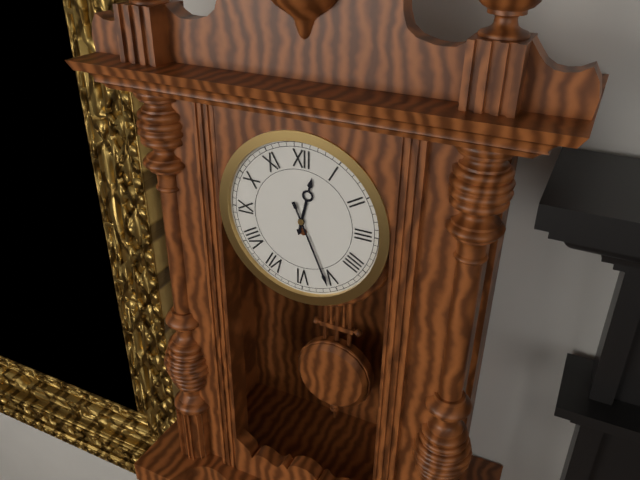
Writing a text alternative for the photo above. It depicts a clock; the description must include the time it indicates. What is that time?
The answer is 12:26
